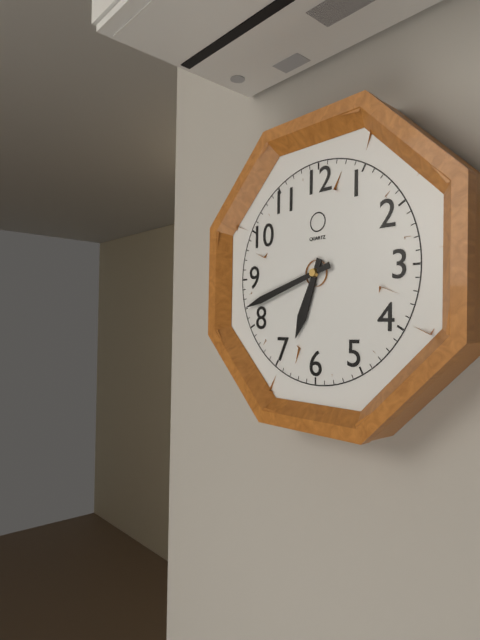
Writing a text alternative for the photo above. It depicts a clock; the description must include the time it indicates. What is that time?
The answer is 6:42
